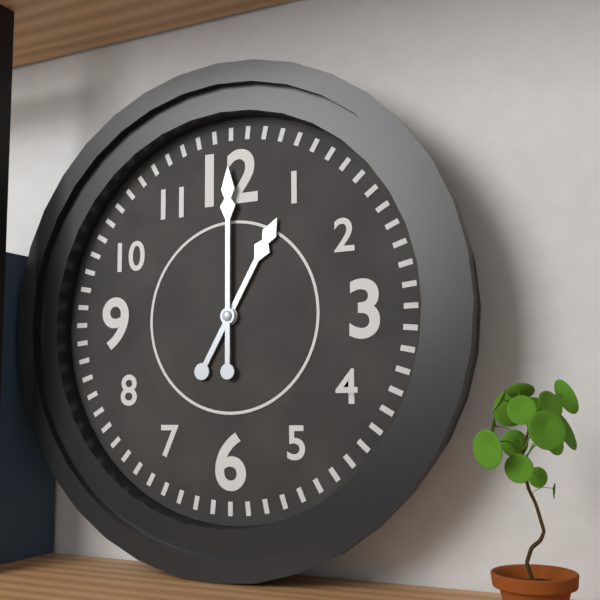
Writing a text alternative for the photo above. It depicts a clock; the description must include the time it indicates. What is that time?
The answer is 1:00
